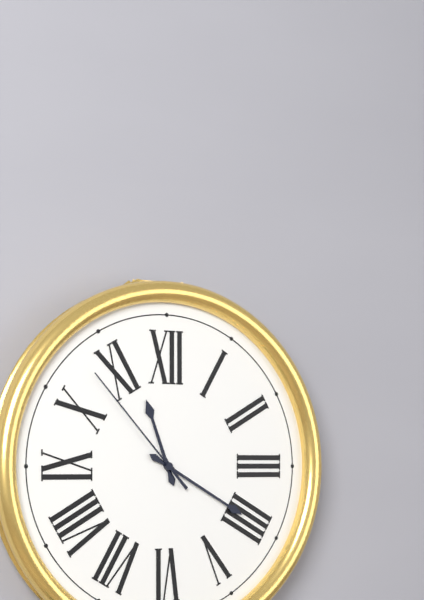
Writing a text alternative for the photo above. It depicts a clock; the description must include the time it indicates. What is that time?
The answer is 11:20:53
